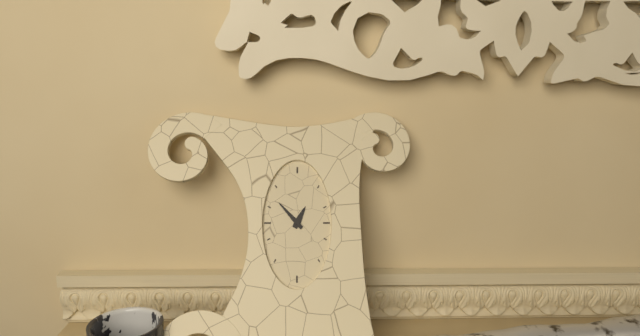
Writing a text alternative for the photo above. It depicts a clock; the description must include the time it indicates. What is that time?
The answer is 12:53
